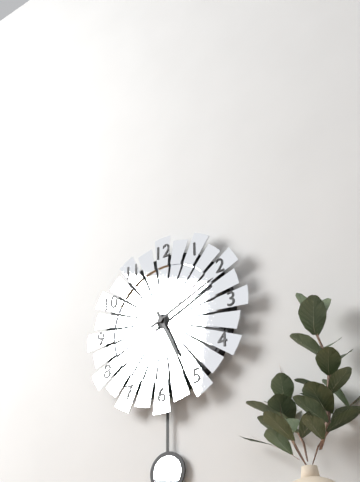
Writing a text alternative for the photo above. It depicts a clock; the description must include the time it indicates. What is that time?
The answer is 5:11
